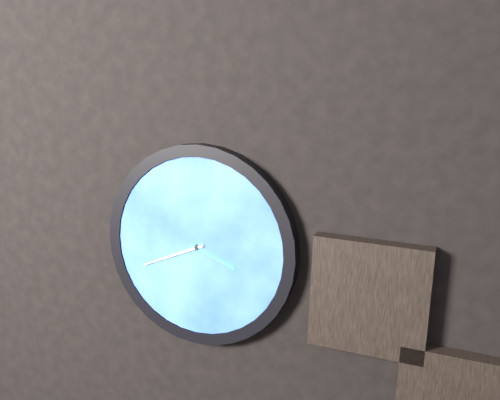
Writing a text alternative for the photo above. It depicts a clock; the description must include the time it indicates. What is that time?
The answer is 3:41
